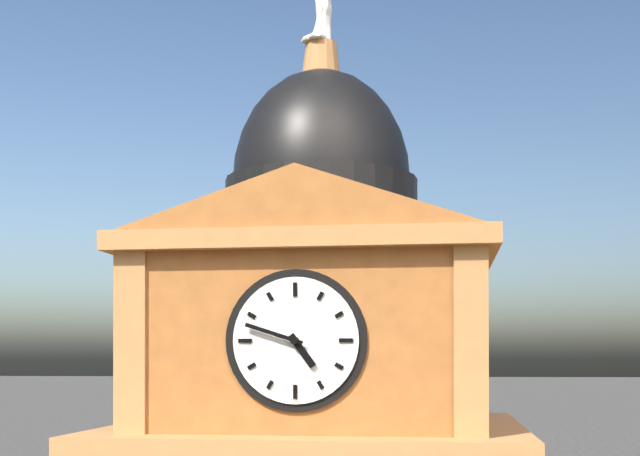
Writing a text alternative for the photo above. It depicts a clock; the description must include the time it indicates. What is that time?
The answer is 4:48
